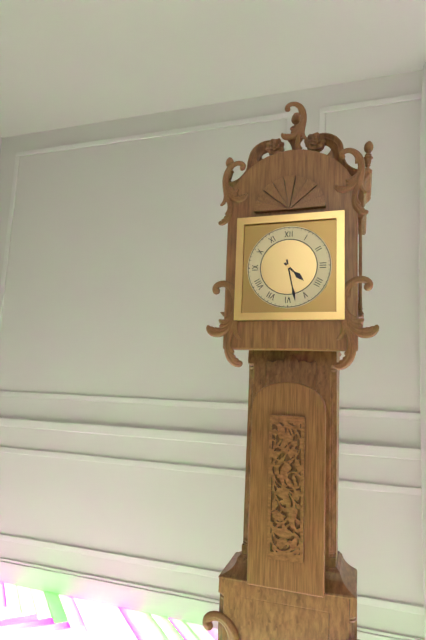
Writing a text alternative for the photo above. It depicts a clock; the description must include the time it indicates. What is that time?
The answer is 4:28
